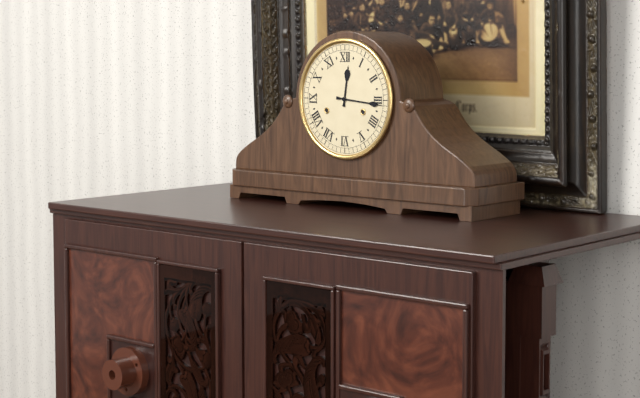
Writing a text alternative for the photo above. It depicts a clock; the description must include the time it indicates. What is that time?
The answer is 12:16
